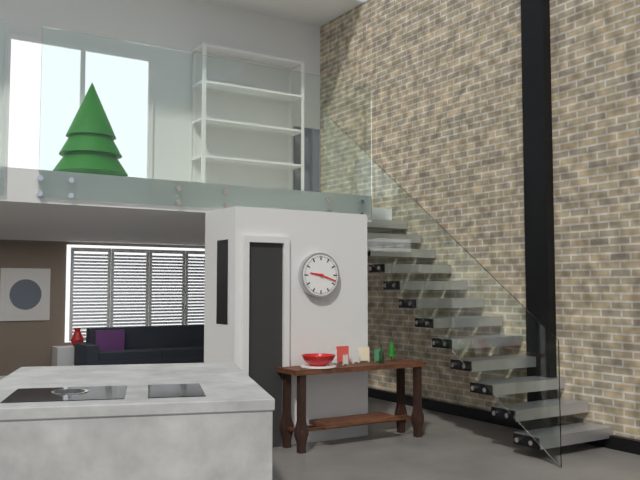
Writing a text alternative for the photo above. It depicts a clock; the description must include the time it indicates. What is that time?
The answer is 9:18
